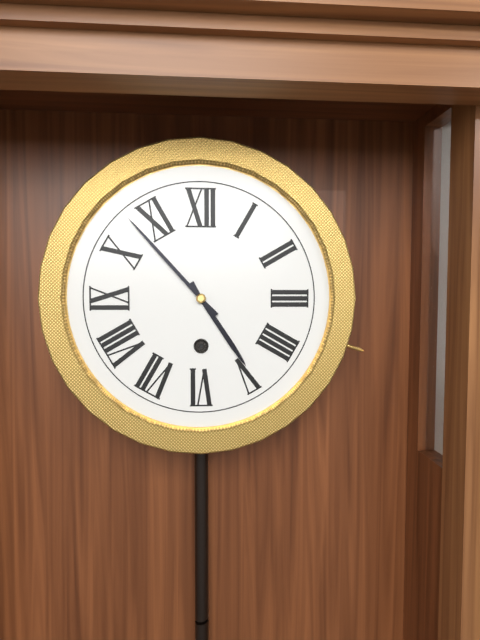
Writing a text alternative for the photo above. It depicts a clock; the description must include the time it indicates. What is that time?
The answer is 4:53
